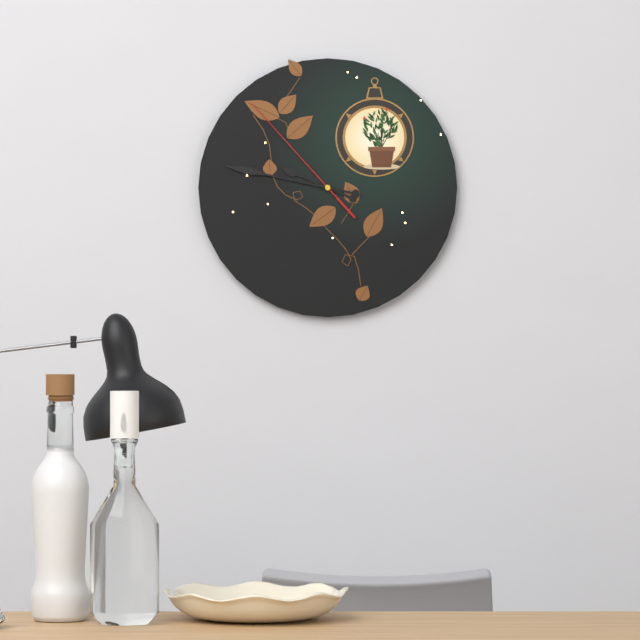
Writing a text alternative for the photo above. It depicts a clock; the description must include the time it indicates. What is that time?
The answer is 9:47:53
